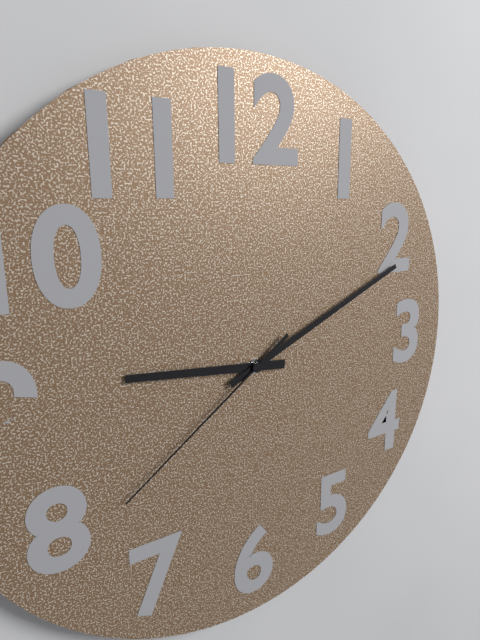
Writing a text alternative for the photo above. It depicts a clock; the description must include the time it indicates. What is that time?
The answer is 9:11:39
